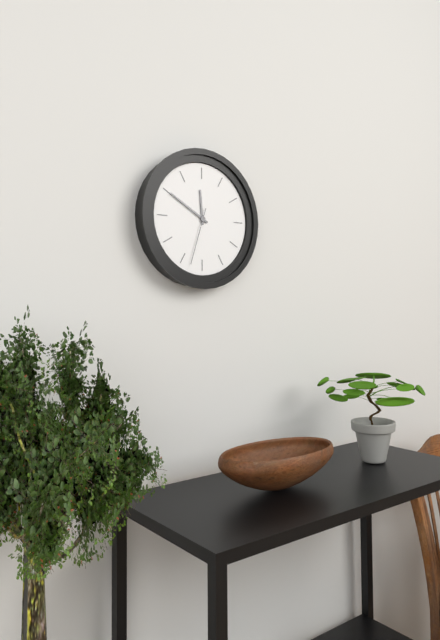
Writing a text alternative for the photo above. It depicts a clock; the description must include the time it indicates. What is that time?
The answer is 11:50:33
